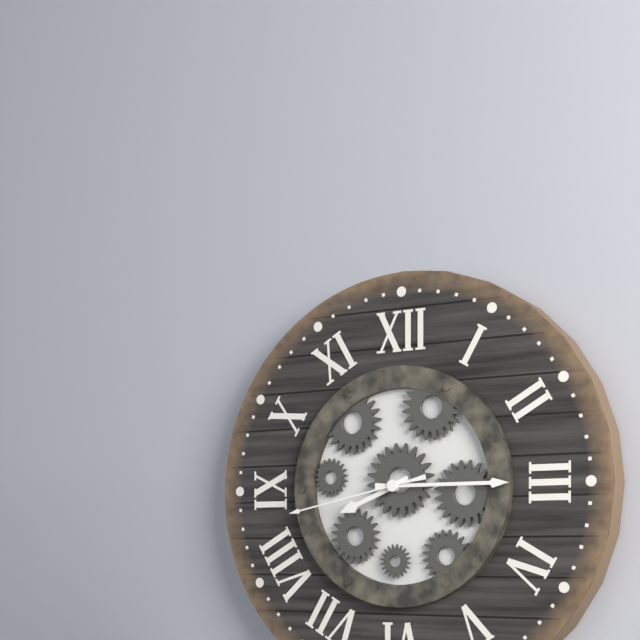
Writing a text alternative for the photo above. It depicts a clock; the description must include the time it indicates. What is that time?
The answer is 8:15:43
